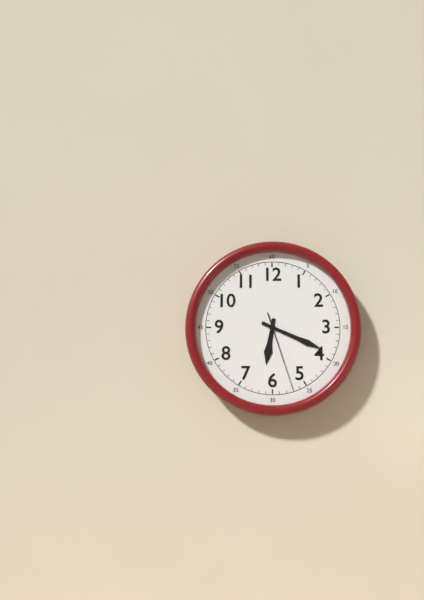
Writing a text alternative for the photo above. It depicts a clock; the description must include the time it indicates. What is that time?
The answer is 6:19:27
